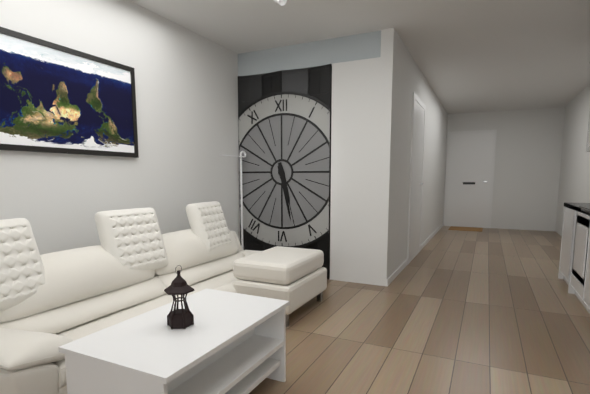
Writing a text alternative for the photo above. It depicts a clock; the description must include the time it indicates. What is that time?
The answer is 5:28
